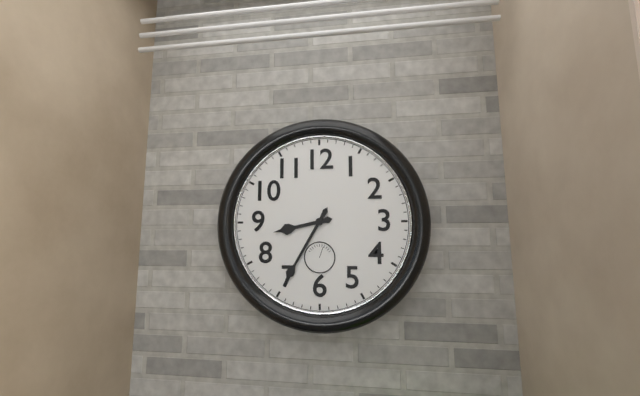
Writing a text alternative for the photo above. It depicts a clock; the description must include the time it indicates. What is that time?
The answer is 8:35
